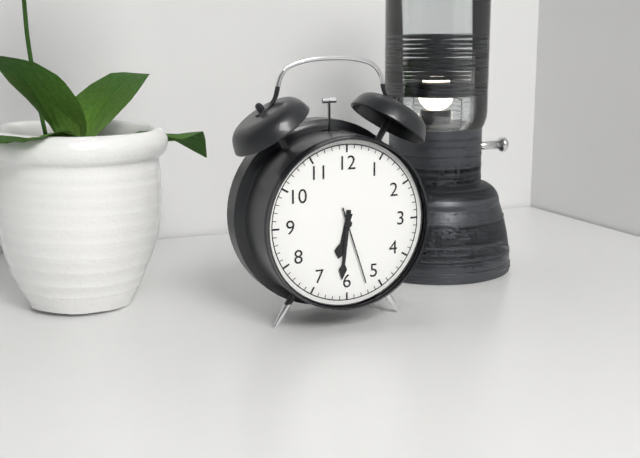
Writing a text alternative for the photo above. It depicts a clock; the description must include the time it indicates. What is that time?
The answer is 6:31:27
